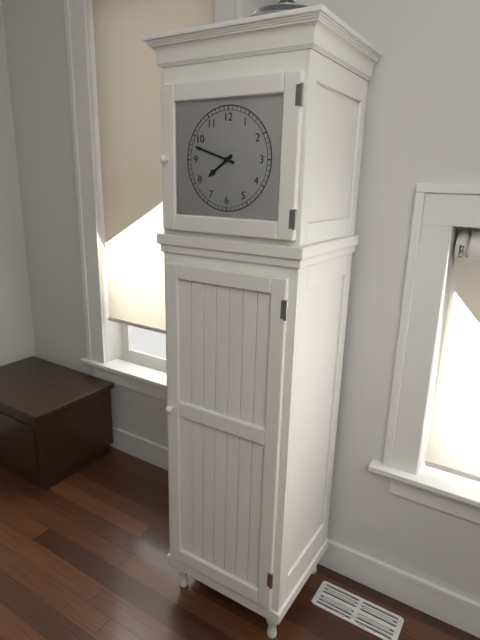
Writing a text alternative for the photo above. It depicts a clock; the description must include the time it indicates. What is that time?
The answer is 7:48
